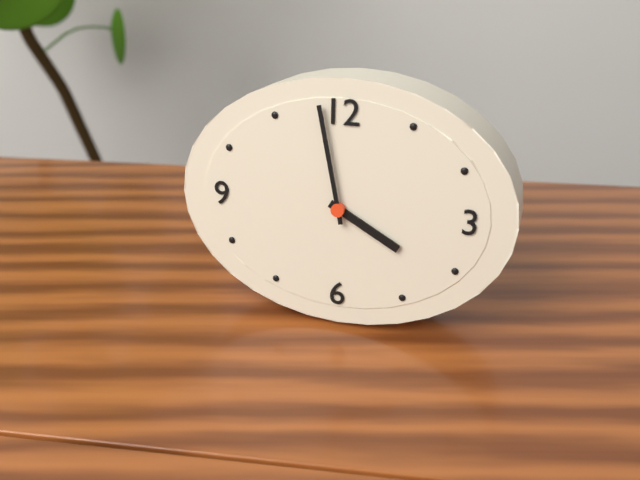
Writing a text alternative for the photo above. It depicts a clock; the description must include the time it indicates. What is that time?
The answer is 3:58
